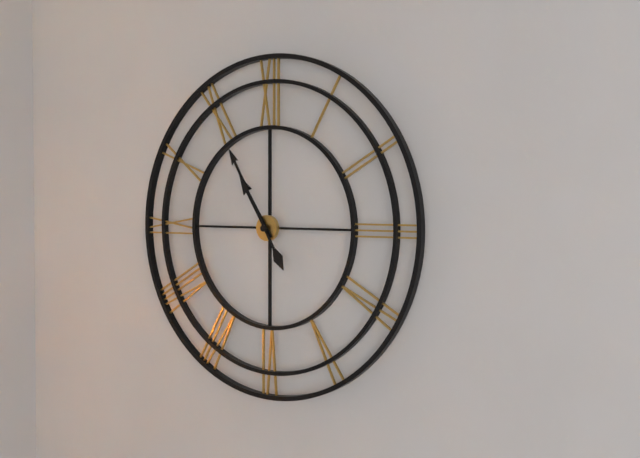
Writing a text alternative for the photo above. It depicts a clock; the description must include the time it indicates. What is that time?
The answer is 10:55
